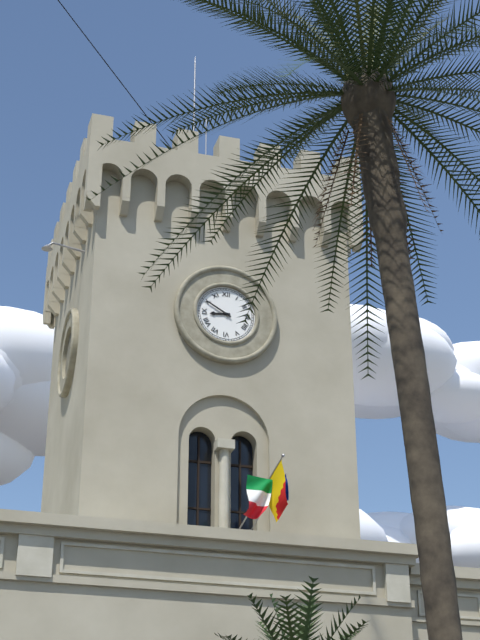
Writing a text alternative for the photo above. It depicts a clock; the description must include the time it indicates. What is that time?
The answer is 8:50
